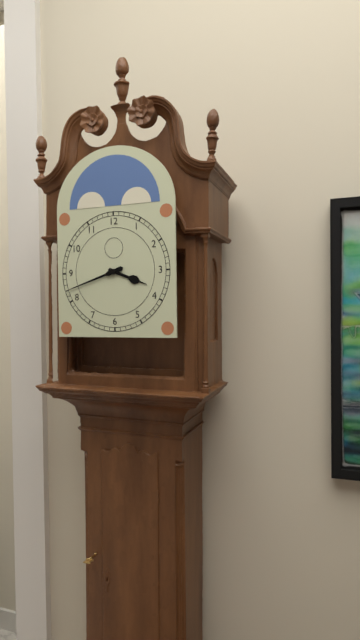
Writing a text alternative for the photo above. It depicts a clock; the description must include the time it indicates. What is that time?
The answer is 3:42
